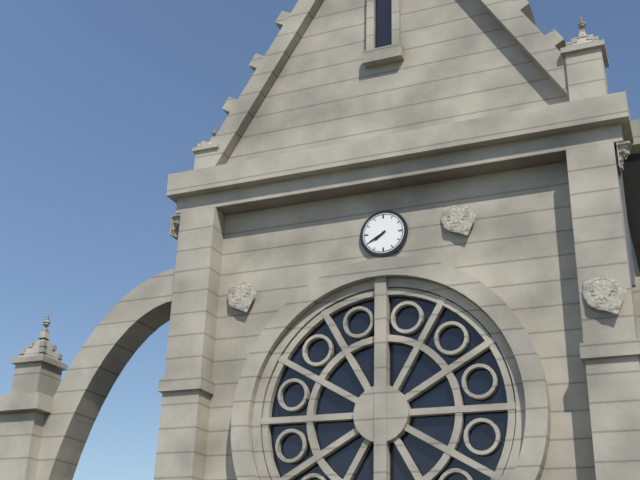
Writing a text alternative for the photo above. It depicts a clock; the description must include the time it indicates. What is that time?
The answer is 7:40
